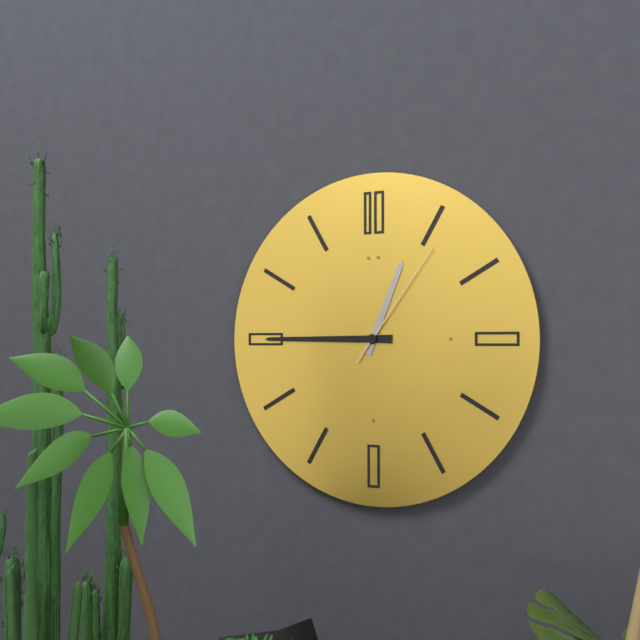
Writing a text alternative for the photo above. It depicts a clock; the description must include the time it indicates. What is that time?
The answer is 12:45:06
